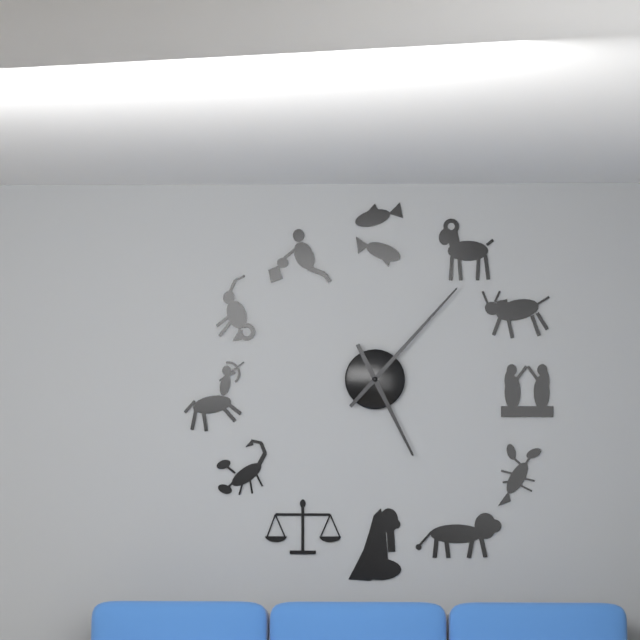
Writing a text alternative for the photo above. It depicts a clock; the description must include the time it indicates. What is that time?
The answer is 5:07
